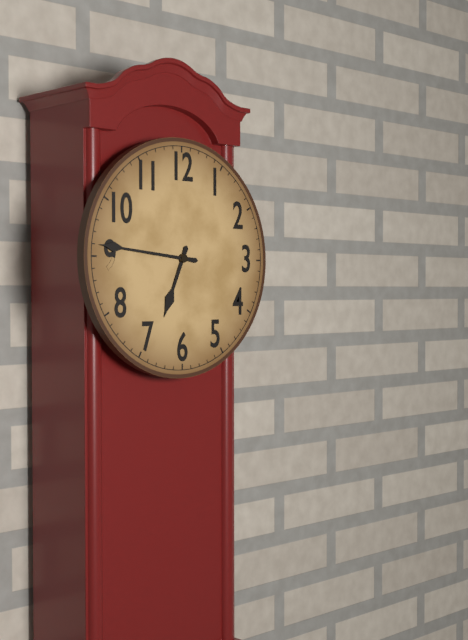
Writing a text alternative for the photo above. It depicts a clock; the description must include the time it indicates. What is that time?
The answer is 6:46
